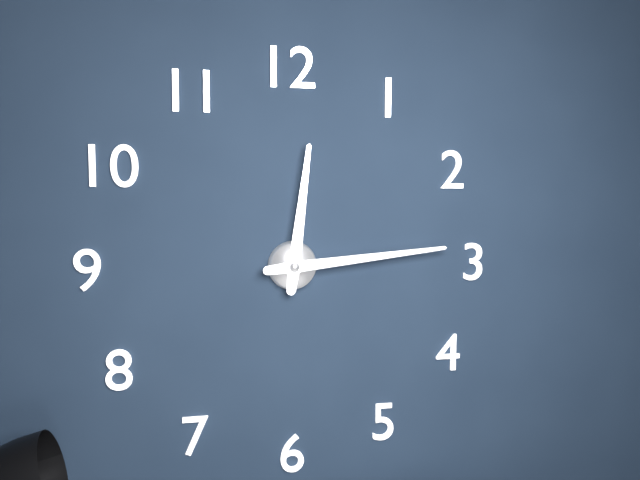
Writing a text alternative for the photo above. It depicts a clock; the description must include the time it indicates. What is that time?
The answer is 12:14
